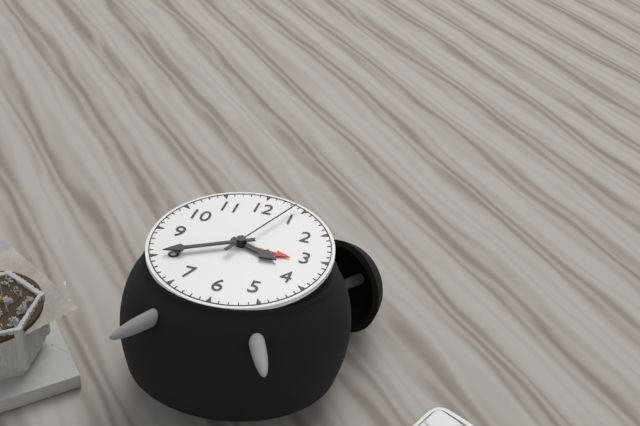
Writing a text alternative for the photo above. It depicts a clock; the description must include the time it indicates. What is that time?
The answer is 3:40:04
